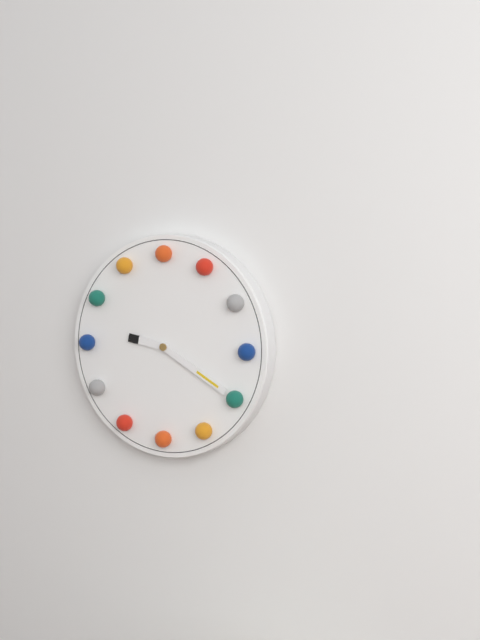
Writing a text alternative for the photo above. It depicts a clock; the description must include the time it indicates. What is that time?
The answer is 9:20
